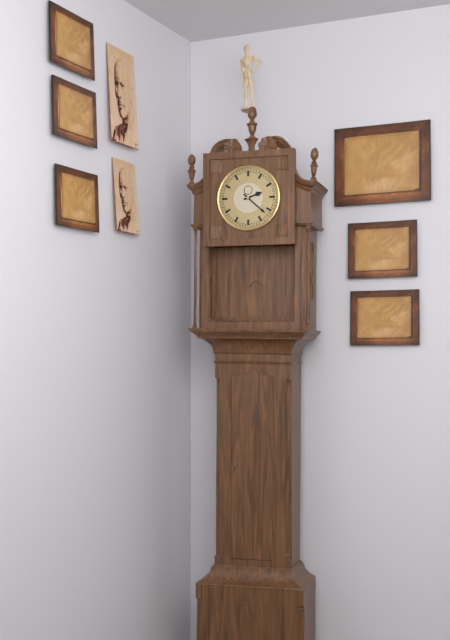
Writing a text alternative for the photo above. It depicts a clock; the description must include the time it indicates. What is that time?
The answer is 2:22
